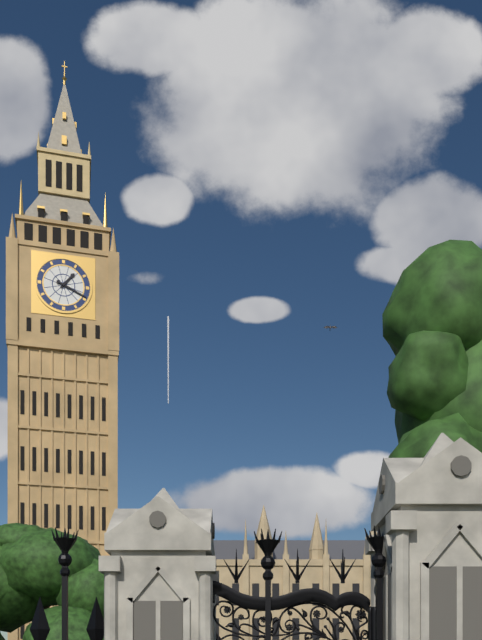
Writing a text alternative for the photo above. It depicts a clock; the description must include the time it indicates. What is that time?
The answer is 1:19
